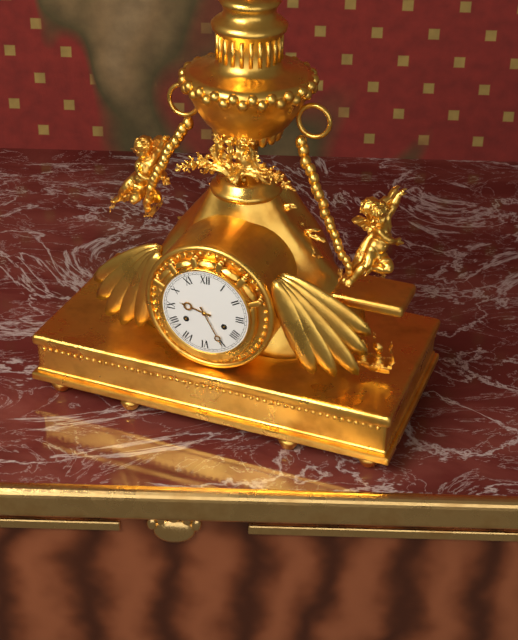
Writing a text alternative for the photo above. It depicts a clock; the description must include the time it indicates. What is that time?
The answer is 9:25
